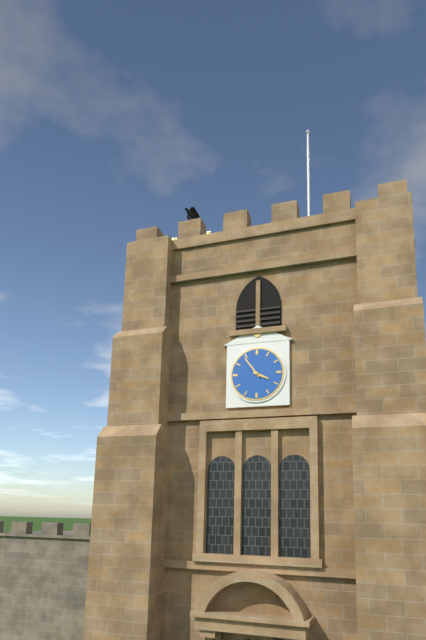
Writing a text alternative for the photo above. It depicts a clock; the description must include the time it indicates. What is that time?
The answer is 3:54
